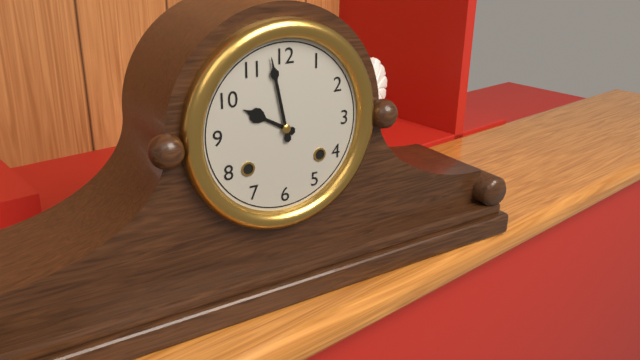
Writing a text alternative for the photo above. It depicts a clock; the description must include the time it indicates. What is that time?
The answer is 9:58
